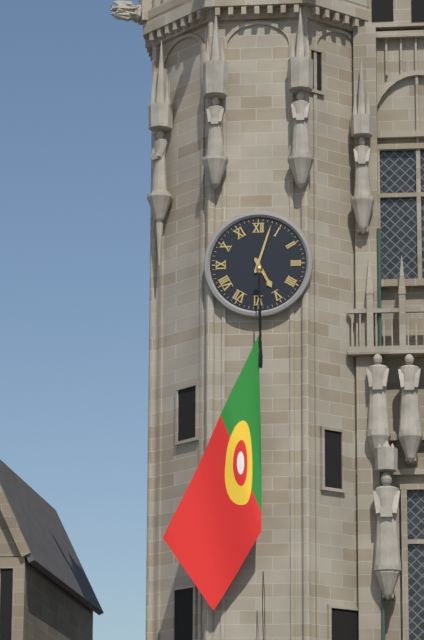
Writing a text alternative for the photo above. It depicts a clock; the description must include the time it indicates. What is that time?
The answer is 5:03
